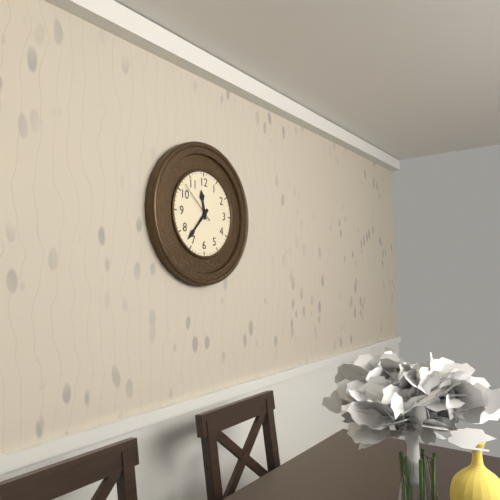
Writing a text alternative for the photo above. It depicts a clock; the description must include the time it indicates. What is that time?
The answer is 11:37
